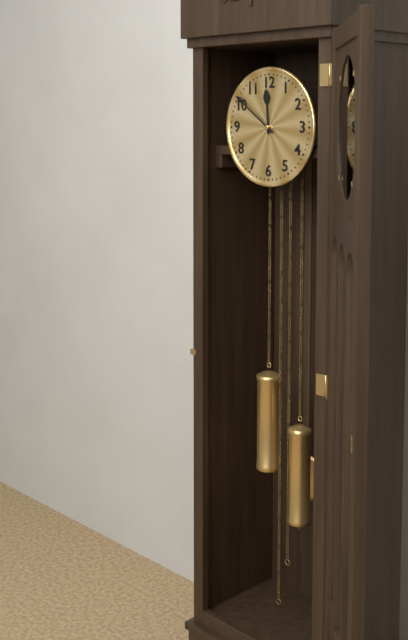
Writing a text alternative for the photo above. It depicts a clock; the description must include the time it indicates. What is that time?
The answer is 11:51
